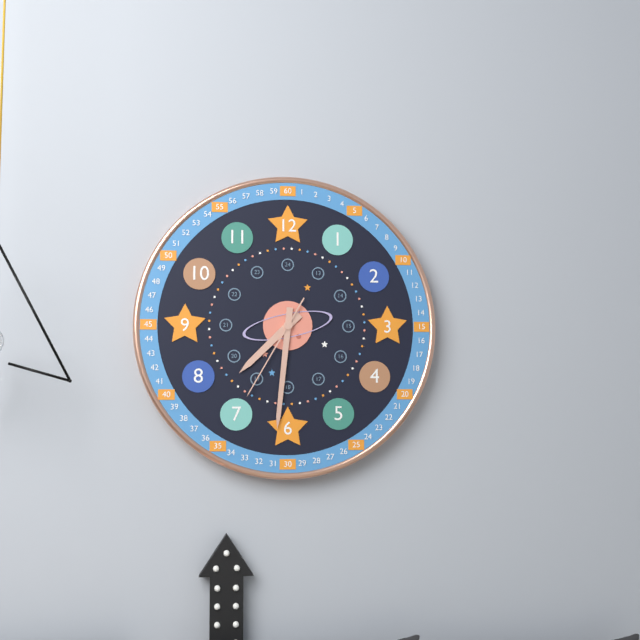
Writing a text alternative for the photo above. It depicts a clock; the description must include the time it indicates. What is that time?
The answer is 7:31:35
